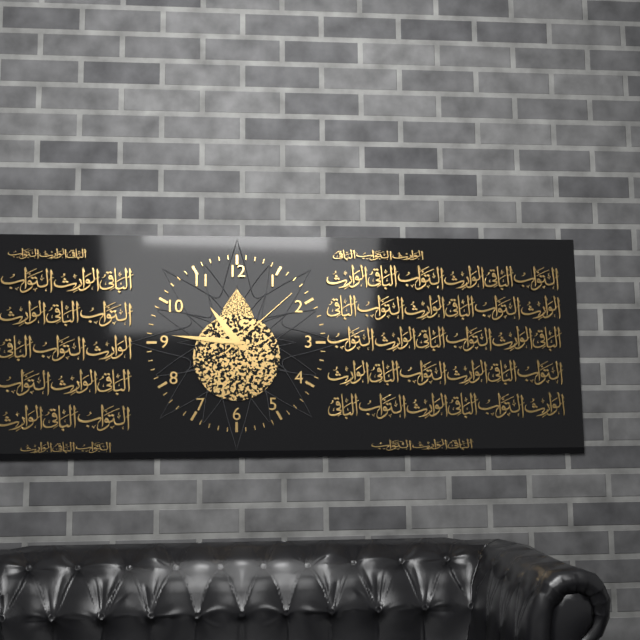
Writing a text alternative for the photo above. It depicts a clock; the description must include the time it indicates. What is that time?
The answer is 10:46:08
